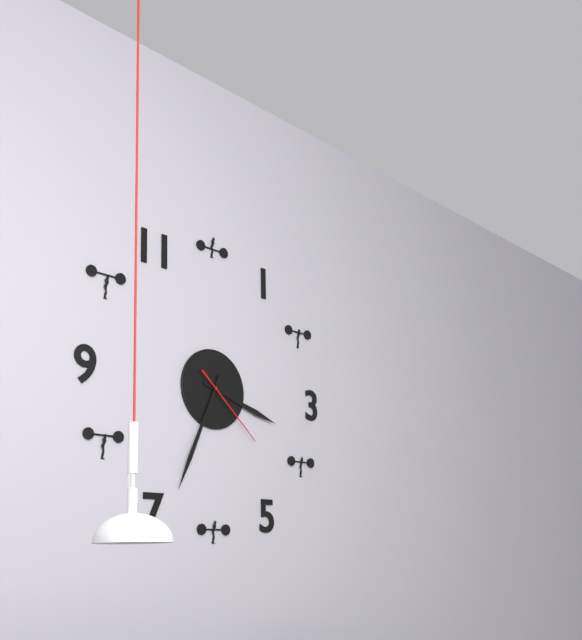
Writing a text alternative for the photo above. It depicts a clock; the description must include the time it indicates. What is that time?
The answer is 3:34:22
